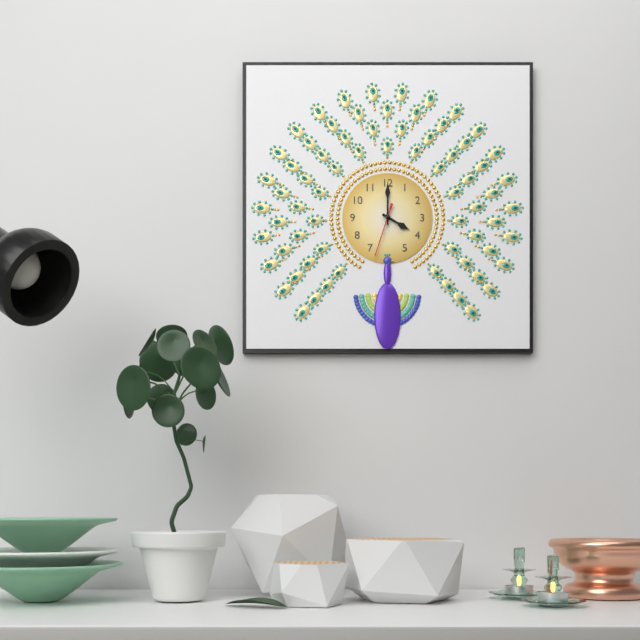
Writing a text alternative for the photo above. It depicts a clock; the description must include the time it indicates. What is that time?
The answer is 4:00:33
